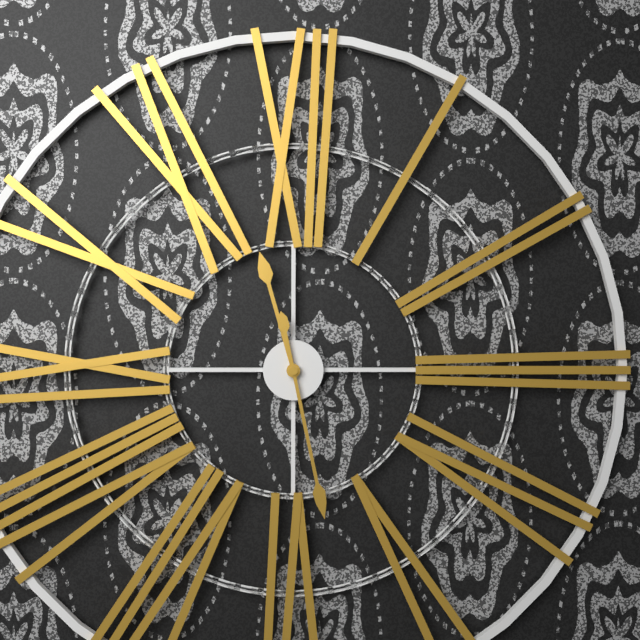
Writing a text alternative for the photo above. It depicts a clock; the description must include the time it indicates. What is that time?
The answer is 11:28
